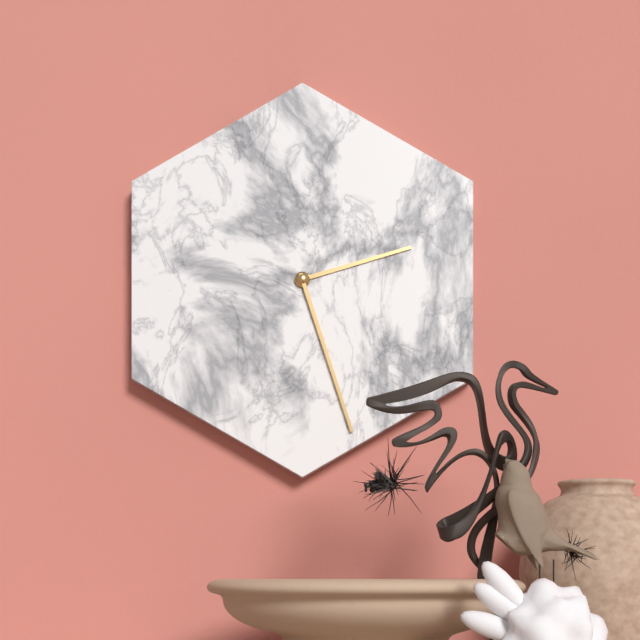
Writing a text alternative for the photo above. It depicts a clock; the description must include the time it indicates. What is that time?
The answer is 2:27
